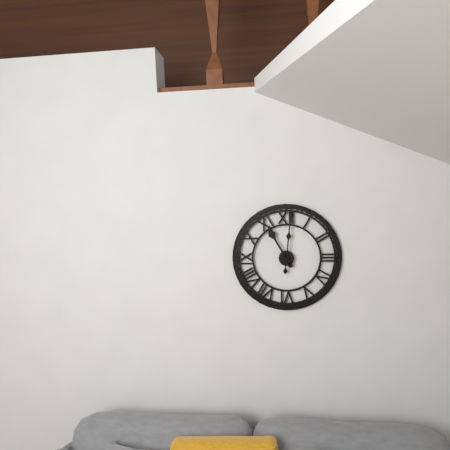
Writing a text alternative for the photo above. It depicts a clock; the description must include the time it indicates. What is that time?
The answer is 11:01
